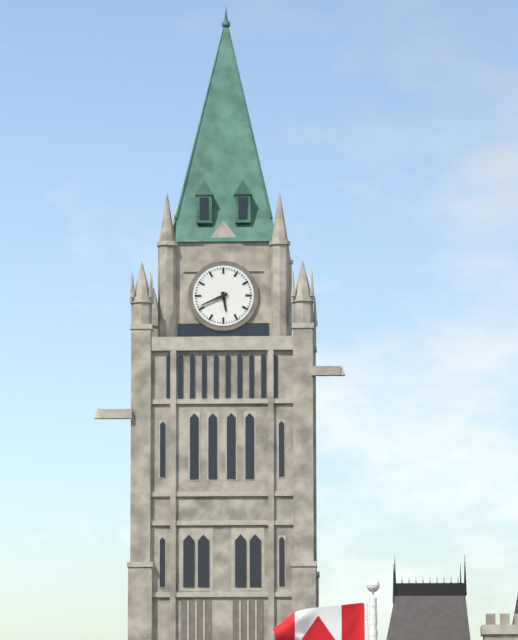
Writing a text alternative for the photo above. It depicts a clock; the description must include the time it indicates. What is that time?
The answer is 5:41
